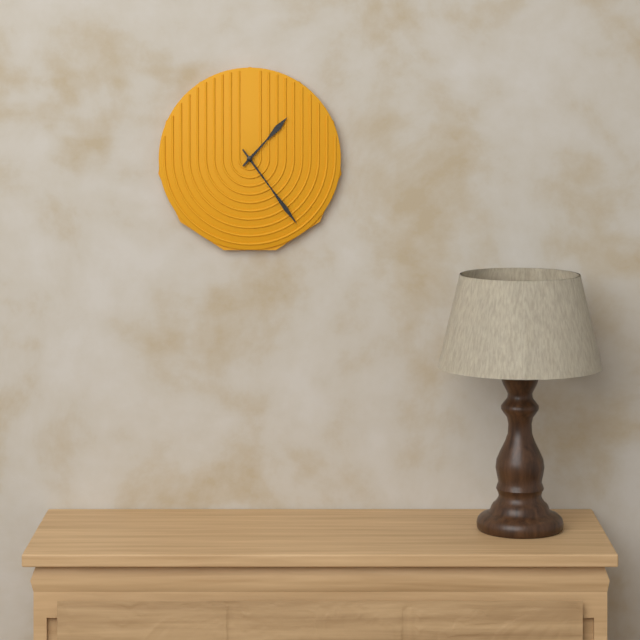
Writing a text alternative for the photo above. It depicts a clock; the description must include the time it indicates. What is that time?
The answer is 1:24
